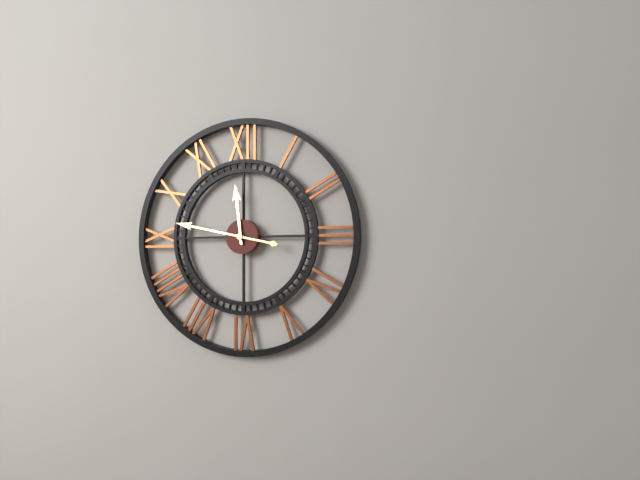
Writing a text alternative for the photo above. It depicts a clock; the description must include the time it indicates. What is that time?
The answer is 11:47
